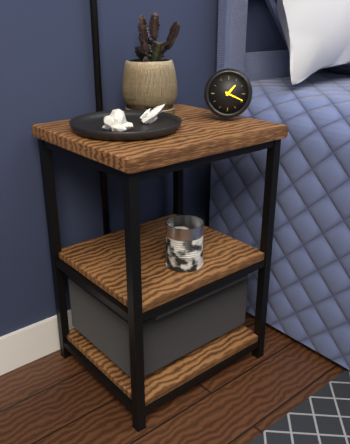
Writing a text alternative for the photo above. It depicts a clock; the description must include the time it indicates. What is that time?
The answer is 1:19
